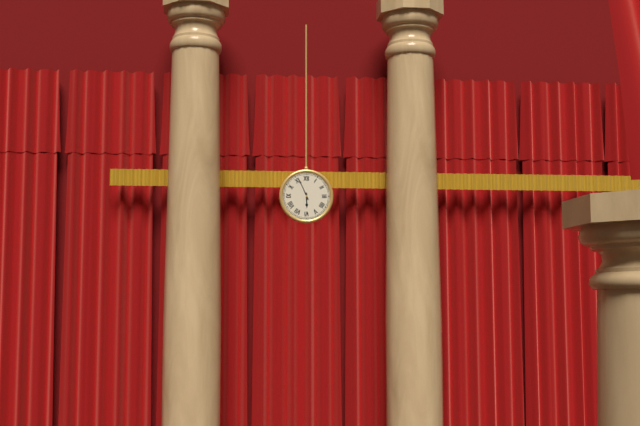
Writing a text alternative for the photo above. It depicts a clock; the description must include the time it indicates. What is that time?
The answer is 5:56
